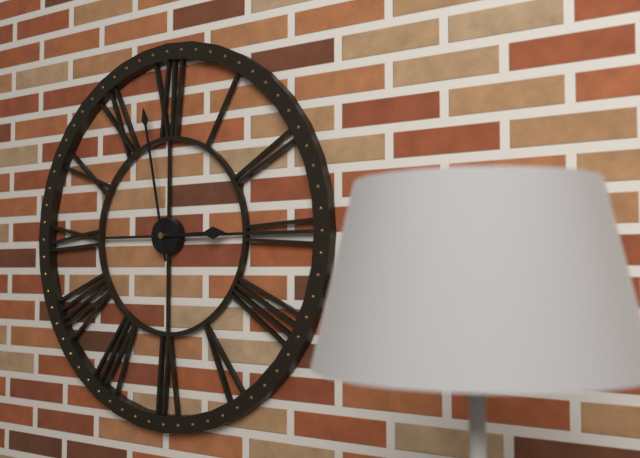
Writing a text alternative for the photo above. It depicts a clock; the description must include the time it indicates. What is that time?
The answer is 2:58
